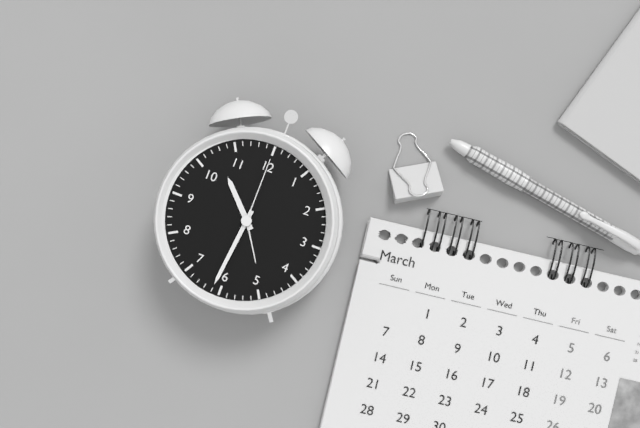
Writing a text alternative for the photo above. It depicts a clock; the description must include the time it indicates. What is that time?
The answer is 10:31:00
